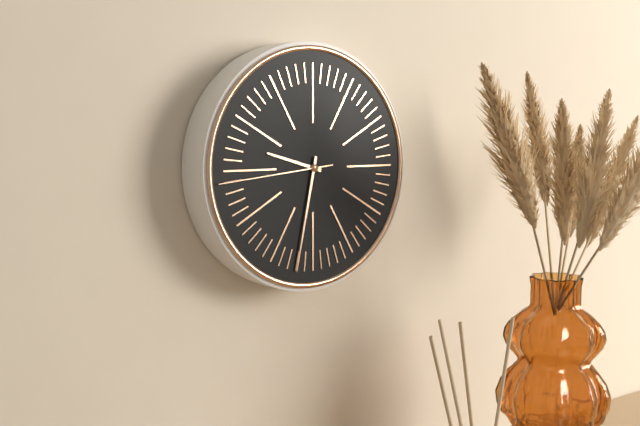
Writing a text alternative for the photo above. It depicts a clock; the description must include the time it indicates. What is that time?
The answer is 9:32:44
